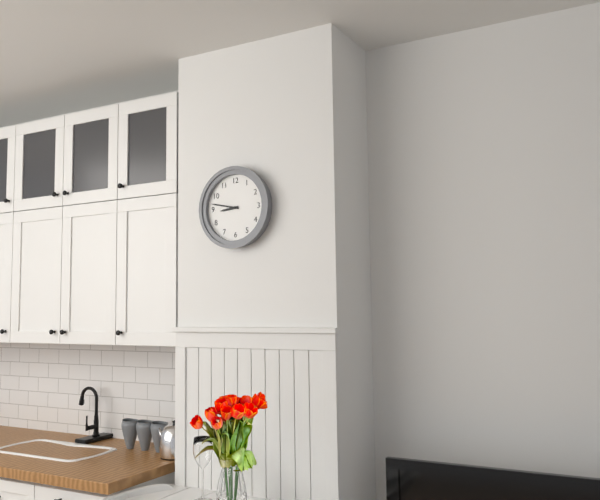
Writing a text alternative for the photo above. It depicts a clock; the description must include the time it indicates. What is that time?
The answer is 8:47
